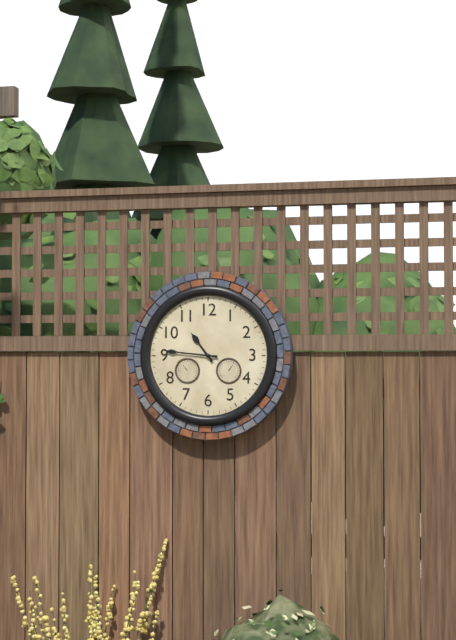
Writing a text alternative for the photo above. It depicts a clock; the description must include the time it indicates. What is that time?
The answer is 10:46
